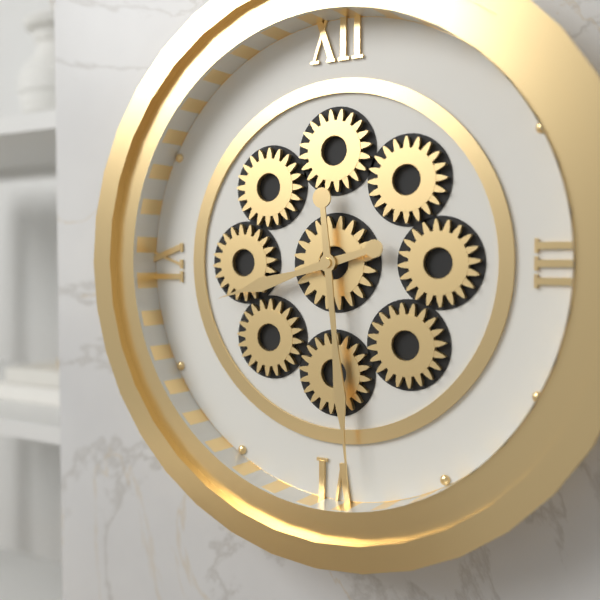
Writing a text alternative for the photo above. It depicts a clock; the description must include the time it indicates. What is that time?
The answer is 8:29
